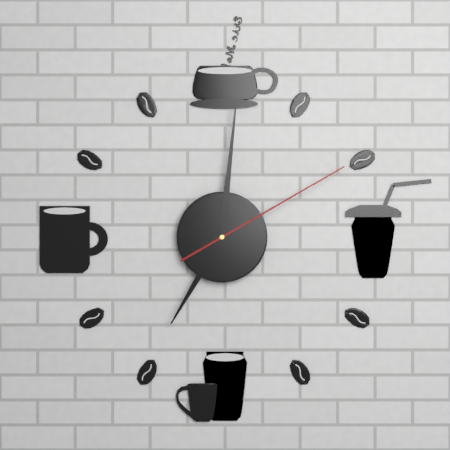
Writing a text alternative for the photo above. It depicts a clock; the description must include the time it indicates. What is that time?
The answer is 7:01:10
